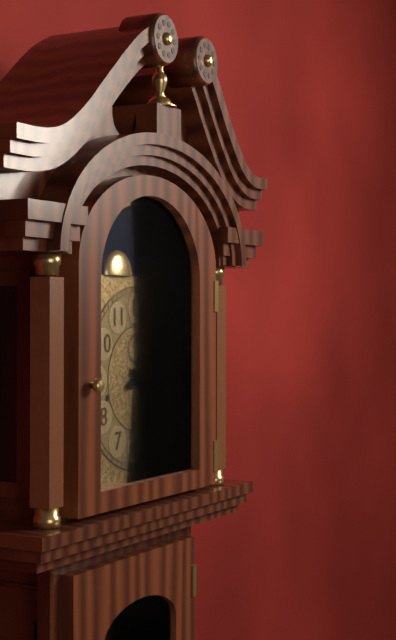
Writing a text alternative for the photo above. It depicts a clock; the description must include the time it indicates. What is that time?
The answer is 4:11
